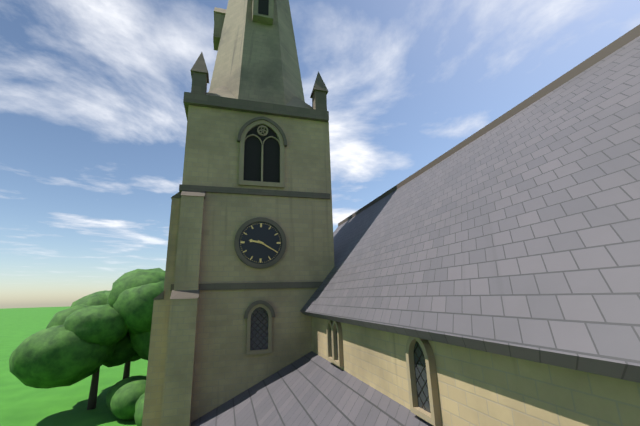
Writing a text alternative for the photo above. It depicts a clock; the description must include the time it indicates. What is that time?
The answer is 9:20
